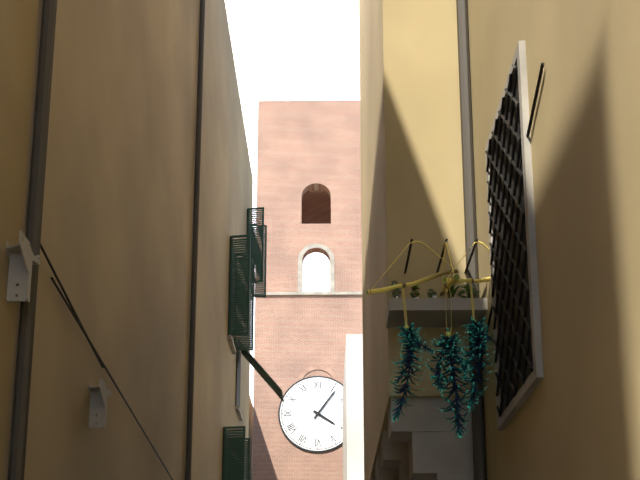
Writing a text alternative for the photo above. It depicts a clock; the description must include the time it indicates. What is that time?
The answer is 4:06
